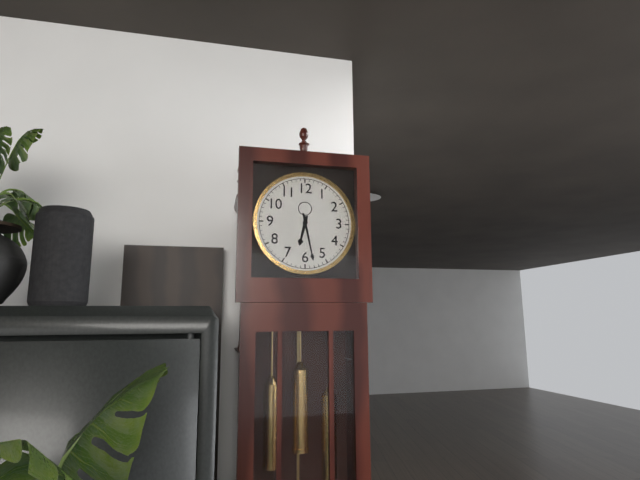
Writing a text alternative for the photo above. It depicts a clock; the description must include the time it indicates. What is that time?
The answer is 6:28
